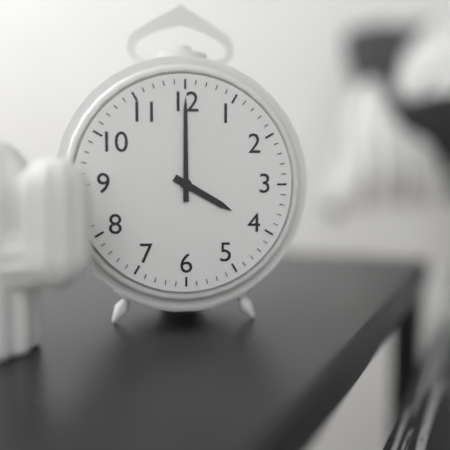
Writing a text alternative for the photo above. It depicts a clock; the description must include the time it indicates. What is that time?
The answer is 4:00
